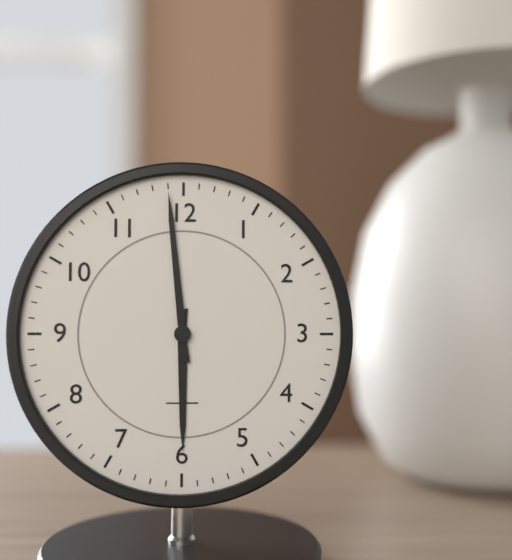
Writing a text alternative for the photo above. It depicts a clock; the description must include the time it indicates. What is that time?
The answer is 5:59
